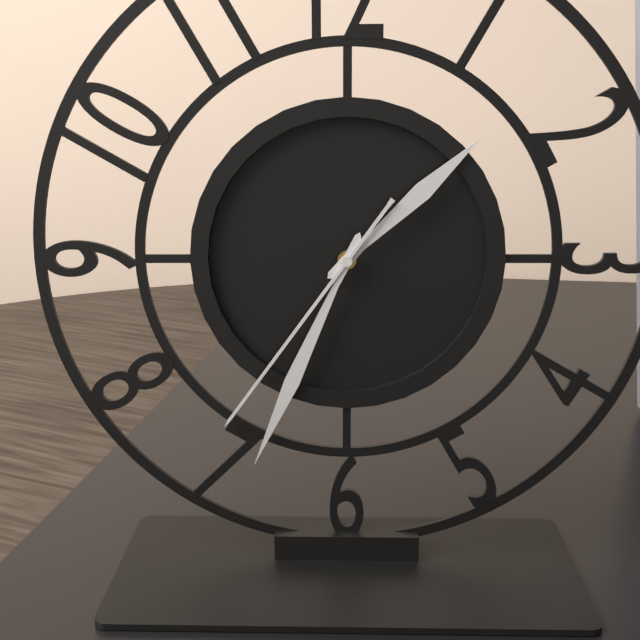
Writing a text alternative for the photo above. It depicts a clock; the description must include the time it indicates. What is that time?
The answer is 1:34:36
